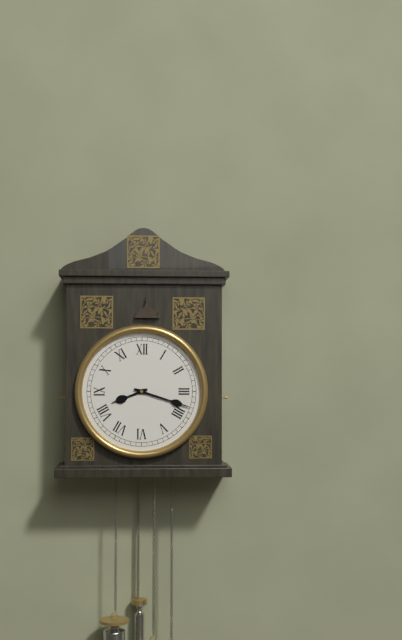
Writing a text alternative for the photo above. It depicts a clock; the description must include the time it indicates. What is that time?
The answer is 8:18
